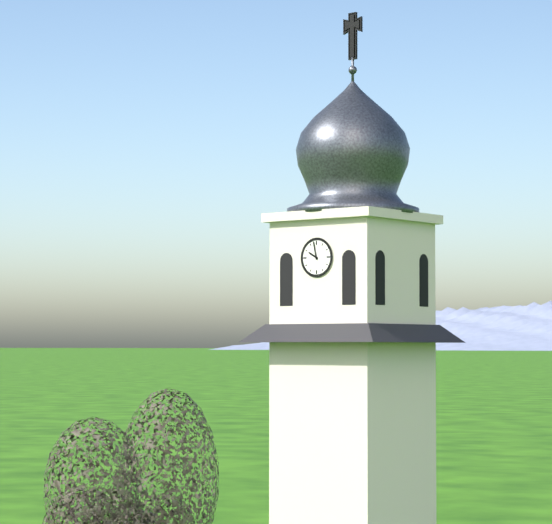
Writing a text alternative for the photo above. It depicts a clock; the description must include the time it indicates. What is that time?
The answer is 9:58
